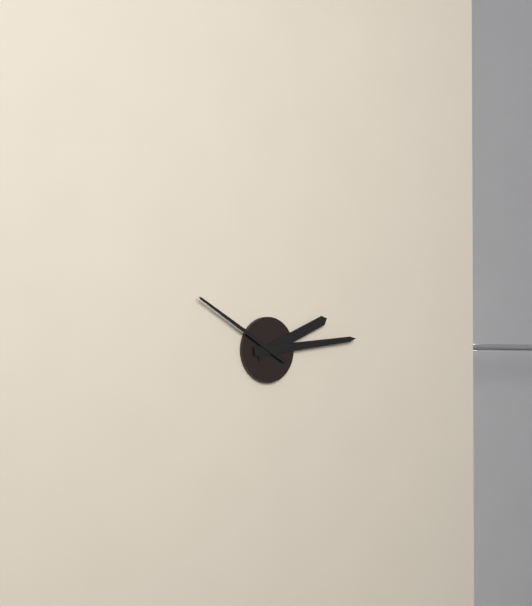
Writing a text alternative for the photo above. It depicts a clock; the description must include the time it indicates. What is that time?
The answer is 2:14:50
